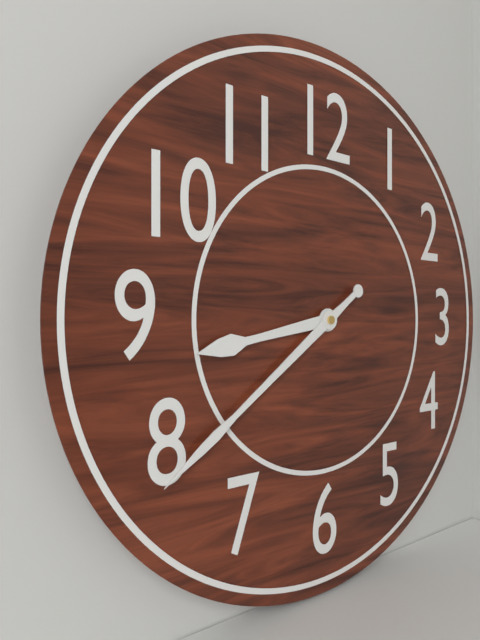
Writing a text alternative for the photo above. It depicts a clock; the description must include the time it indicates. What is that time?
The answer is 8:39
